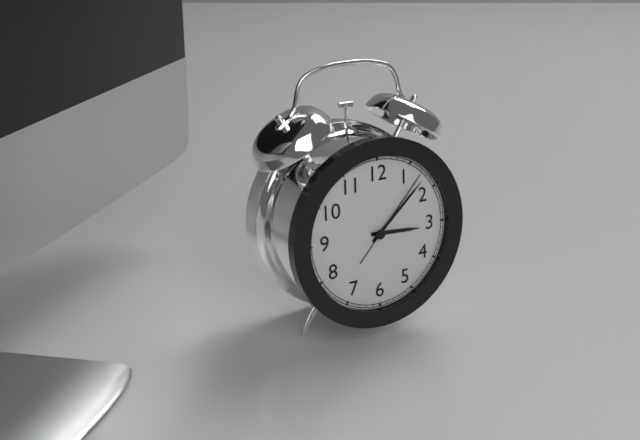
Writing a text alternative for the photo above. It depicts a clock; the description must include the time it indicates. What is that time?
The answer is 3:08:07
